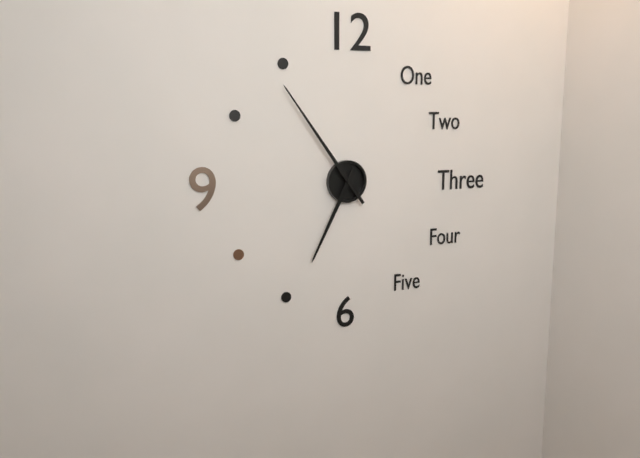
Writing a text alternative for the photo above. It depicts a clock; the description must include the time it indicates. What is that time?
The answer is 6:54
